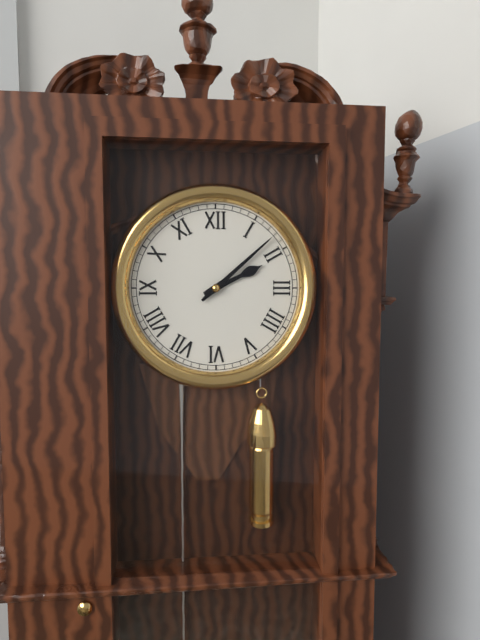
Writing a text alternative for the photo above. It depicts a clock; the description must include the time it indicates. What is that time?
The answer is 2:08
